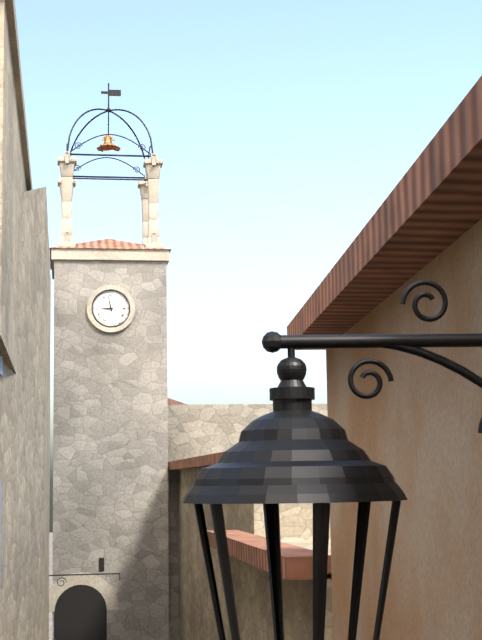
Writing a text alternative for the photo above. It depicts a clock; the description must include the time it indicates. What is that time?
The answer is 8:58
